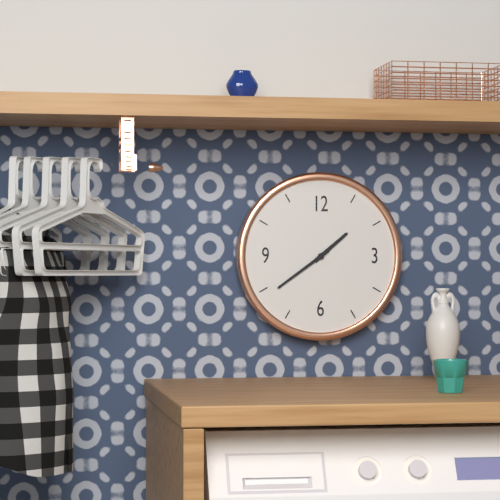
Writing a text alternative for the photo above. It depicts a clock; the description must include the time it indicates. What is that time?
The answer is 1:39
